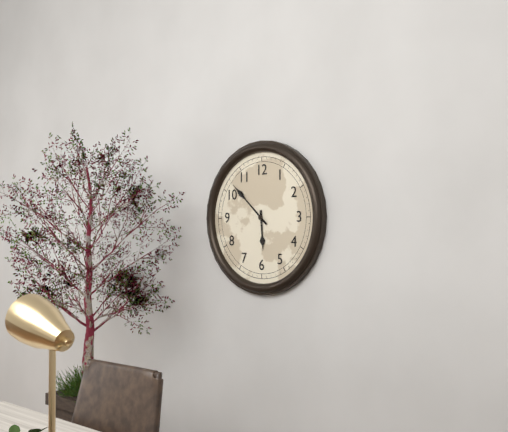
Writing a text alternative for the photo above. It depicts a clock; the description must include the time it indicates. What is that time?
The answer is 5:52
